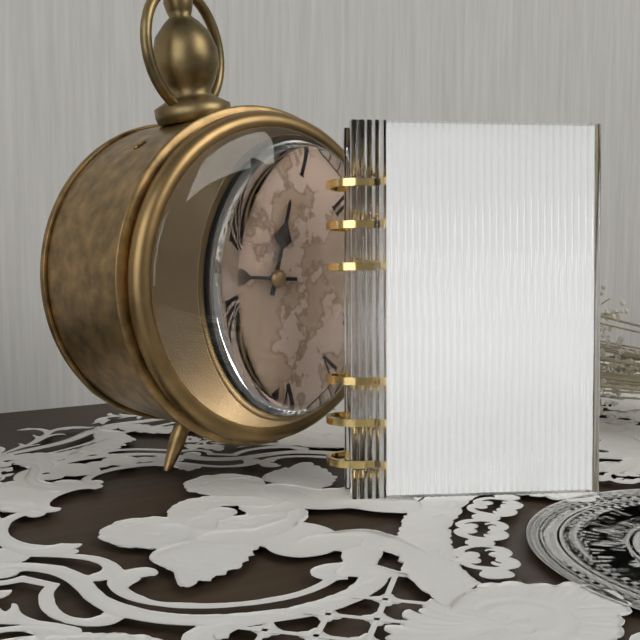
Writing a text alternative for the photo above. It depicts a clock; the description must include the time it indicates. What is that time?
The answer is 12:47
